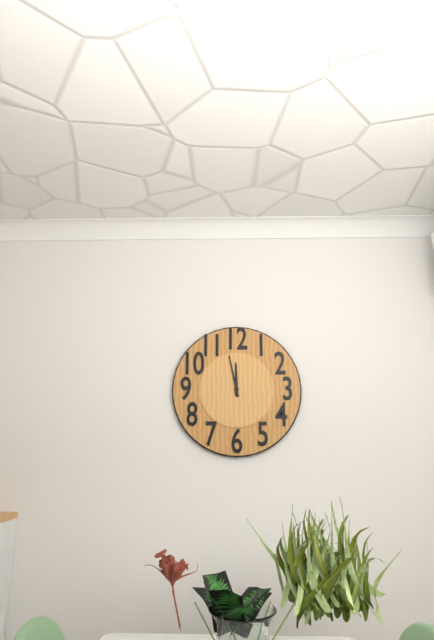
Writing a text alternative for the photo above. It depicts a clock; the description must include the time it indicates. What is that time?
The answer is 11:58
